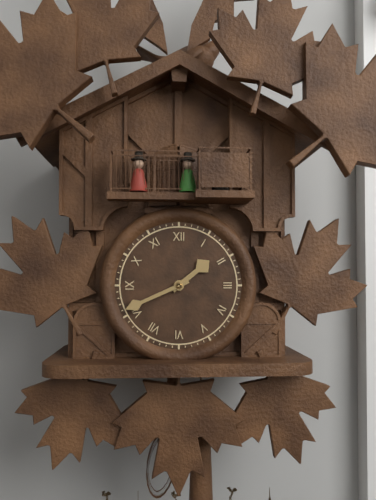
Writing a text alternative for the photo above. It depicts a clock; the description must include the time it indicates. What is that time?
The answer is 1:41
